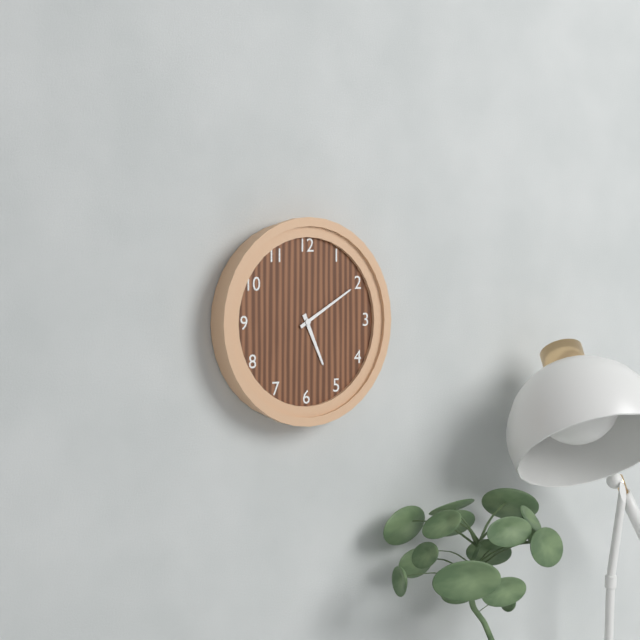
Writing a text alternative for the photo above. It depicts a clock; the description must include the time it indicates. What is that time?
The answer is 5:10
